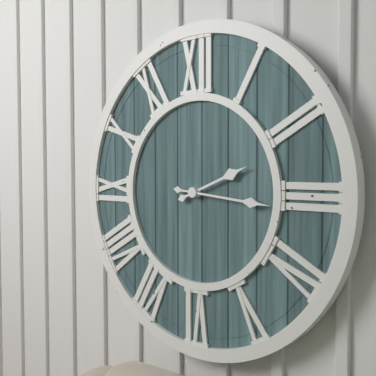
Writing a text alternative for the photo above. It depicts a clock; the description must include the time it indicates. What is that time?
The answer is 2:16
